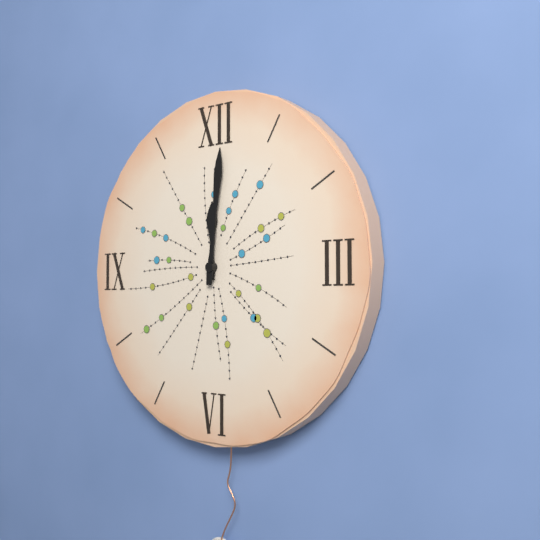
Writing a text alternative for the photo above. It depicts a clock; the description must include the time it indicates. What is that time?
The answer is 12:01
